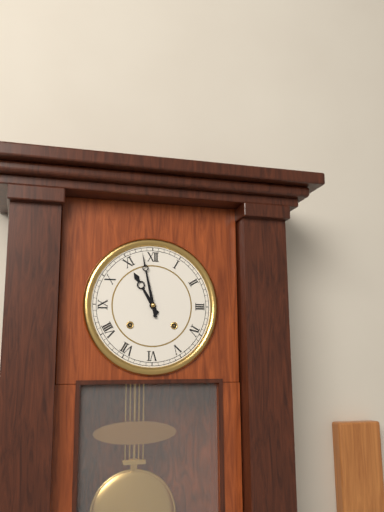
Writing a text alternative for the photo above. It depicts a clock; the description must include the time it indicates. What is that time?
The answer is 10:58
